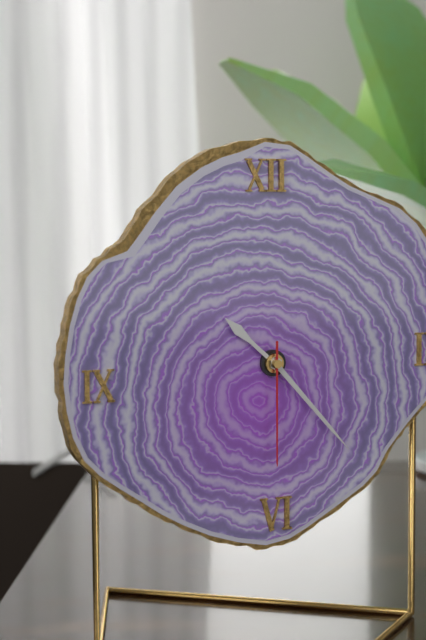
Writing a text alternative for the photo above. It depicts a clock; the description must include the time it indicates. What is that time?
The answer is 10:23:30
